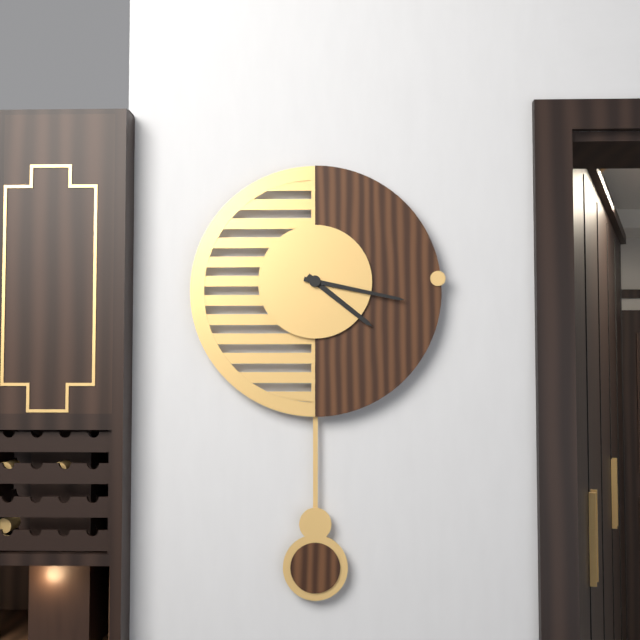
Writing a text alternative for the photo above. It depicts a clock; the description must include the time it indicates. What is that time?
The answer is 4:17
